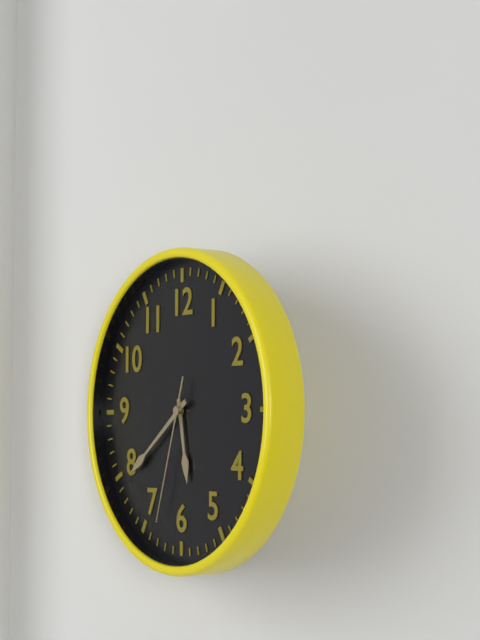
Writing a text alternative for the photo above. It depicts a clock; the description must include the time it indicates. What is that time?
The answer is 5:39:33
